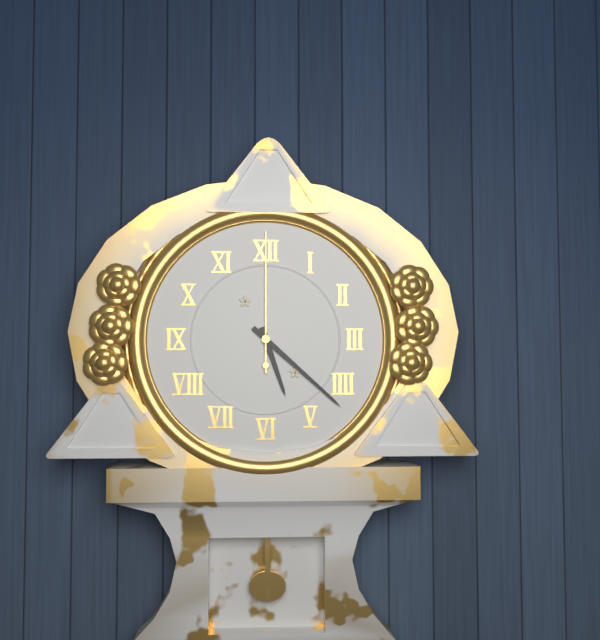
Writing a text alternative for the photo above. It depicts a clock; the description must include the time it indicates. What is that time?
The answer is 5:22:00
